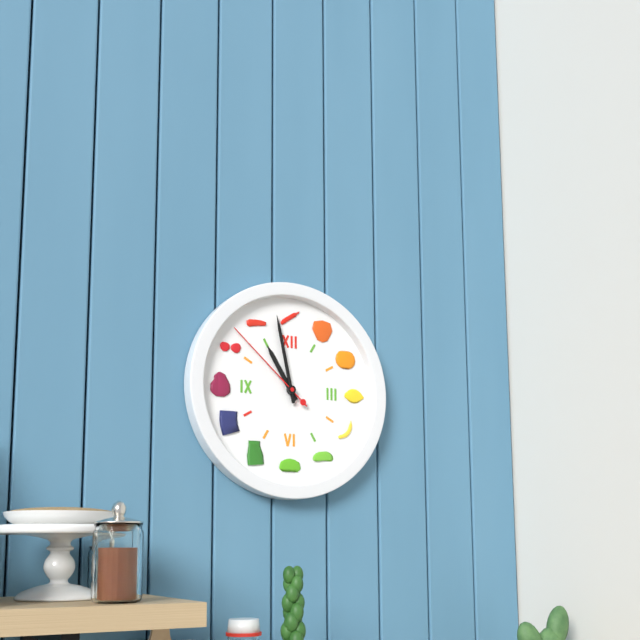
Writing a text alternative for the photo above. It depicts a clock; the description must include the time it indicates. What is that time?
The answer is 10:58:52
